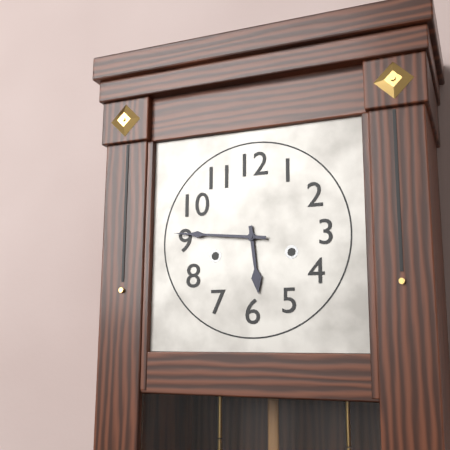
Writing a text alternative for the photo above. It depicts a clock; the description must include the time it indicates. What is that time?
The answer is 5:46
